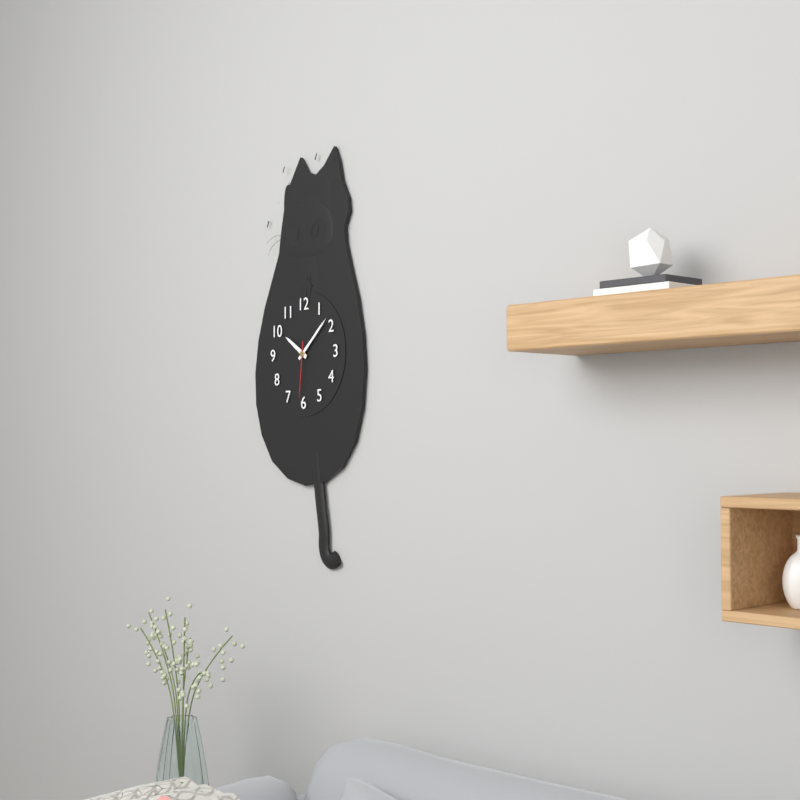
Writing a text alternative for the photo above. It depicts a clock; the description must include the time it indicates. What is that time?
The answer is 10:08:31
